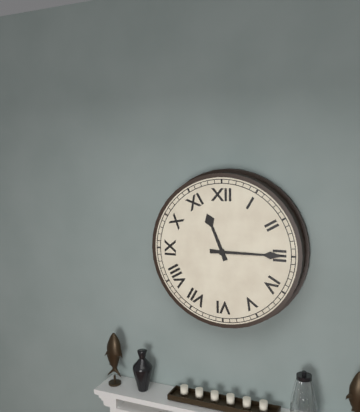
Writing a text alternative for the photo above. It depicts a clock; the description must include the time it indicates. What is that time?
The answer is 11:15
